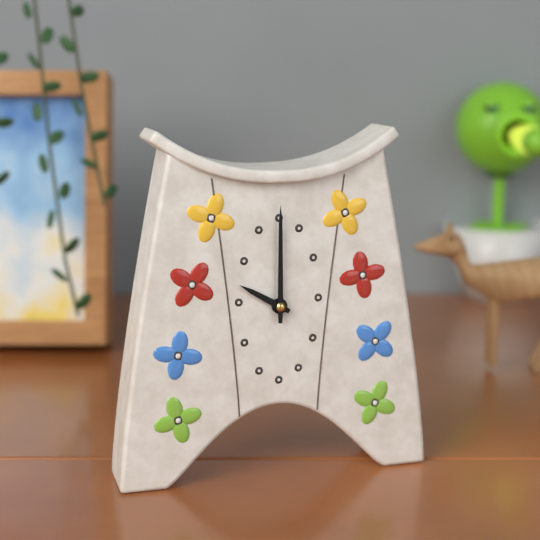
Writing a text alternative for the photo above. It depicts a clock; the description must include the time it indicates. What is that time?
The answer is 10:00
